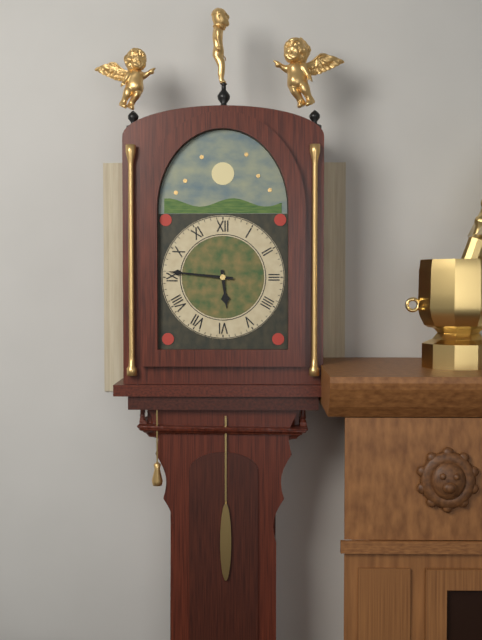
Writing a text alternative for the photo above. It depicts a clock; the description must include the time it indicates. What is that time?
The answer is 5:46
